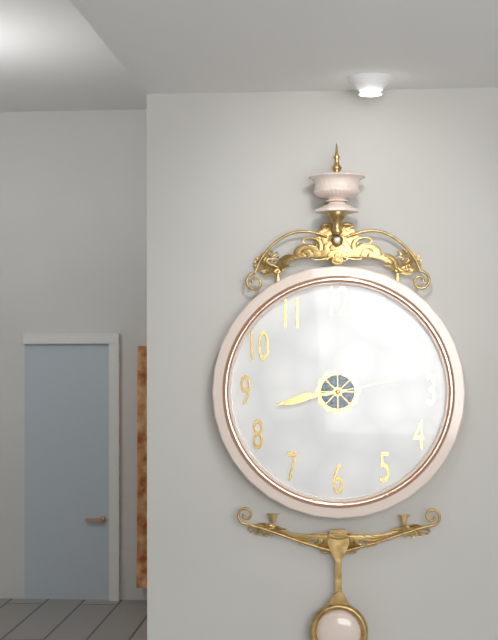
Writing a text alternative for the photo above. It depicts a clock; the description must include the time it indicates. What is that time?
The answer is 8:43:13
